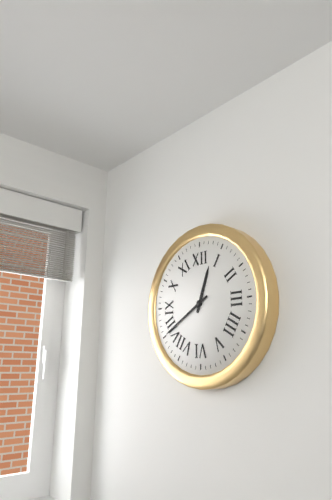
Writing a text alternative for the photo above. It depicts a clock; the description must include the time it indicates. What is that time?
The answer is 12:40
